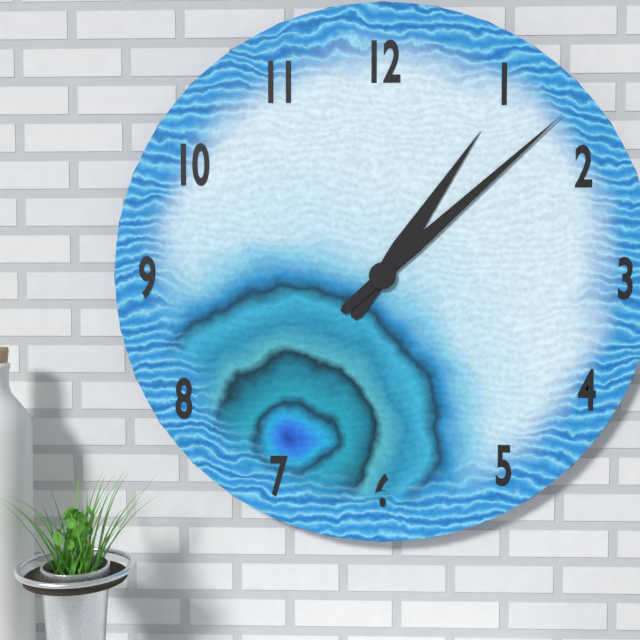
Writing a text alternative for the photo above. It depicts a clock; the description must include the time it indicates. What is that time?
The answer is 1:08
